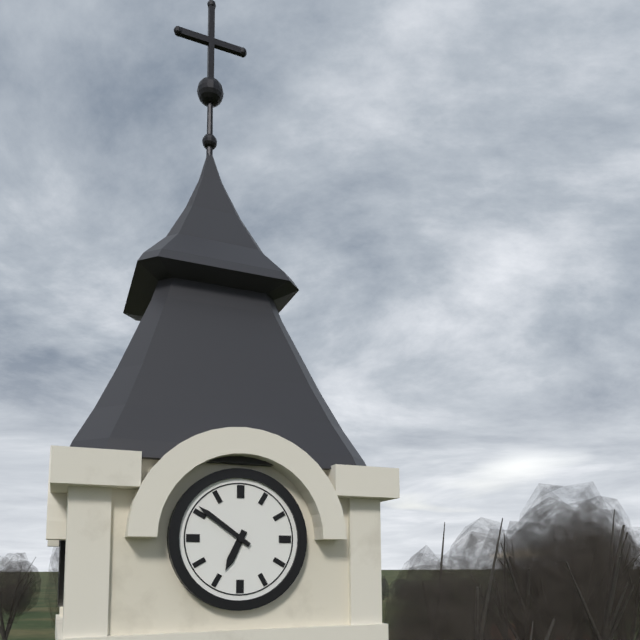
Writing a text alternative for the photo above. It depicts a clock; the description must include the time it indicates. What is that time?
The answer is 6:51
